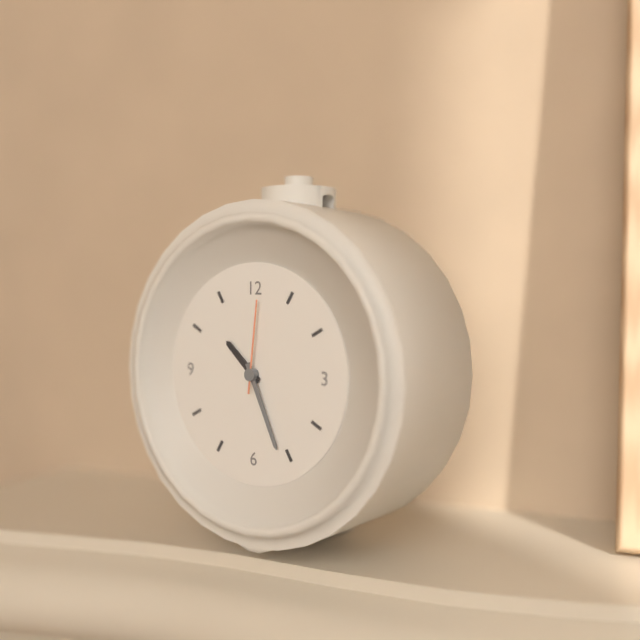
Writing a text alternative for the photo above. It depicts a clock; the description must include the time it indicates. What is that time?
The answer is 10:26:01
